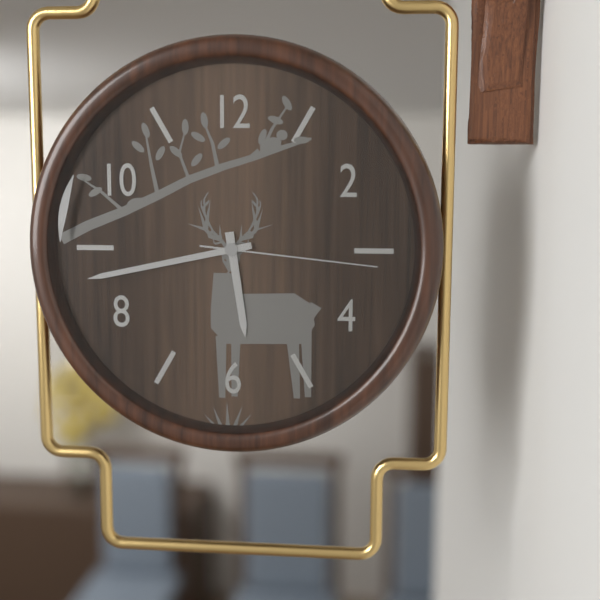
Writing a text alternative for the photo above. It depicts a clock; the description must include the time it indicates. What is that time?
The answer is 5:43:16
